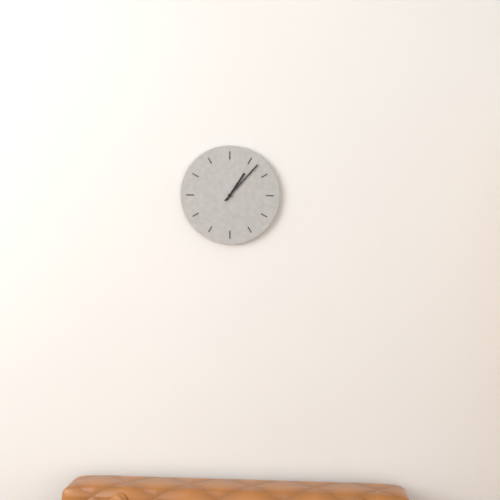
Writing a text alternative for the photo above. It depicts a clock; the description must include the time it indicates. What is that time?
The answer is 1:07
